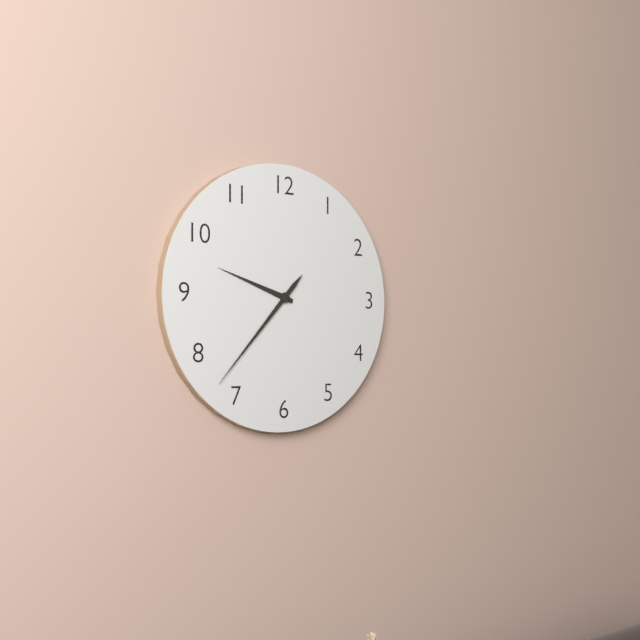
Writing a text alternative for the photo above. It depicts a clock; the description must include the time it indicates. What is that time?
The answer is 9:37
